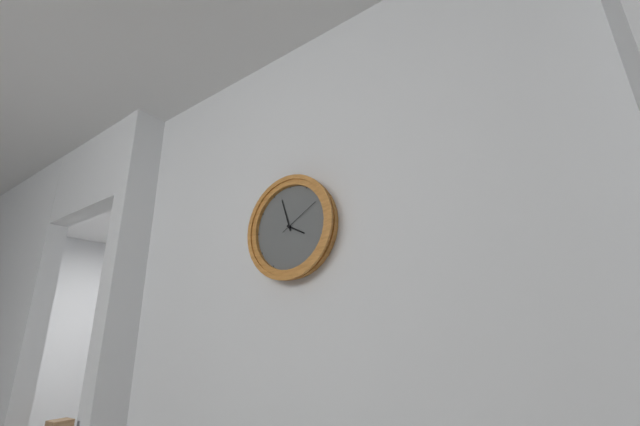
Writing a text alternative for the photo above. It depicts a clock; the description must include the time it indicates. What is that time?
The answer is 3:57
